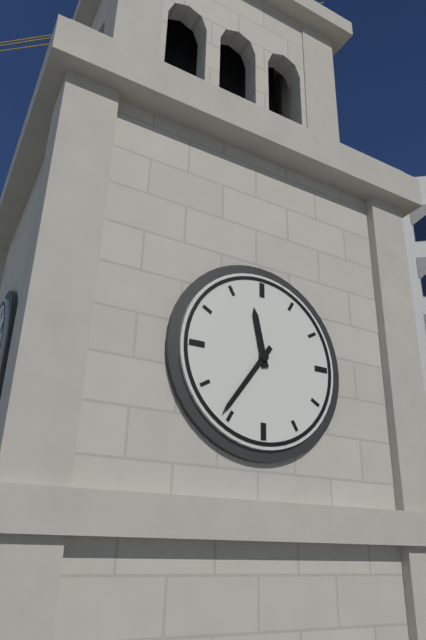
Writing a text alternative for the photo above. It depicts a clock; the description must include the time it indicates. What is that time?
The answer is 11:36
